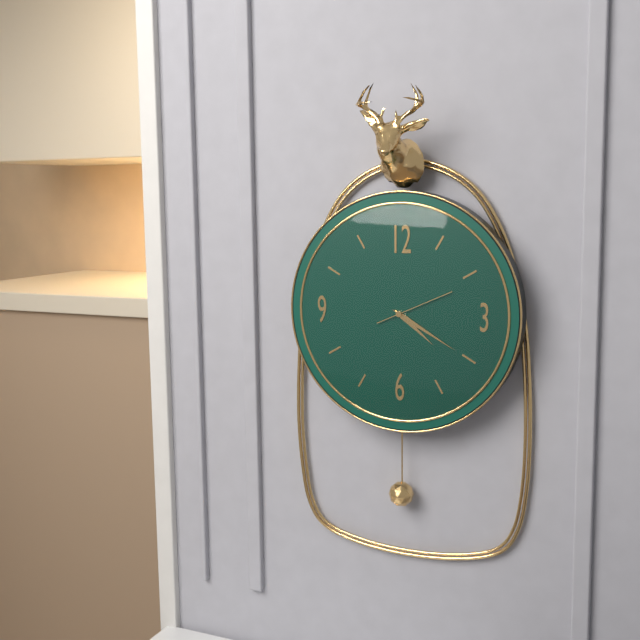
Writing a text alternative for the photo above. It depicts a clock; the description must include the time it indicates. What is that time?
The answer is 4:20:11
